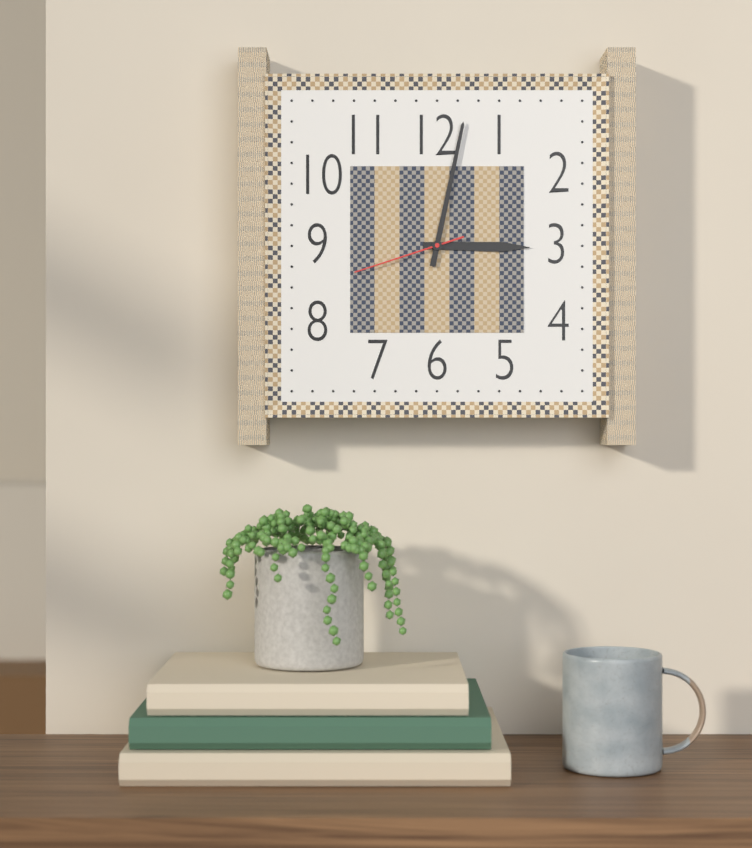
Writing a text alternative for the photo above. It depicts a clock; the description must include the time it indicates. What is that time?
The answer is 3:02:42
